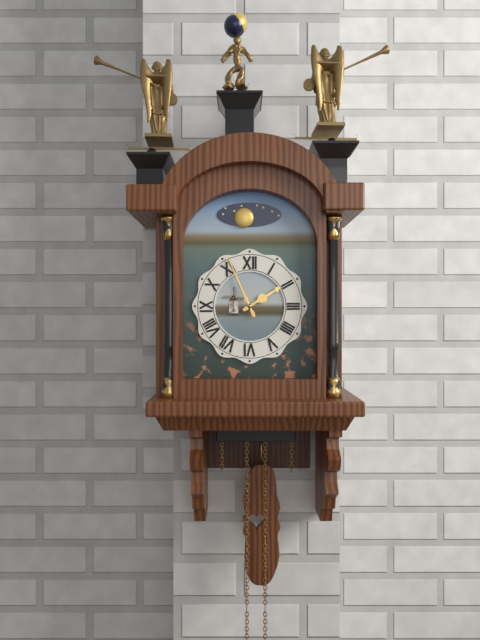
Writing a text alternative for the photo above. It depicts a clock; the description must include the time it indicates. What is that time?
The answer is 1:56
